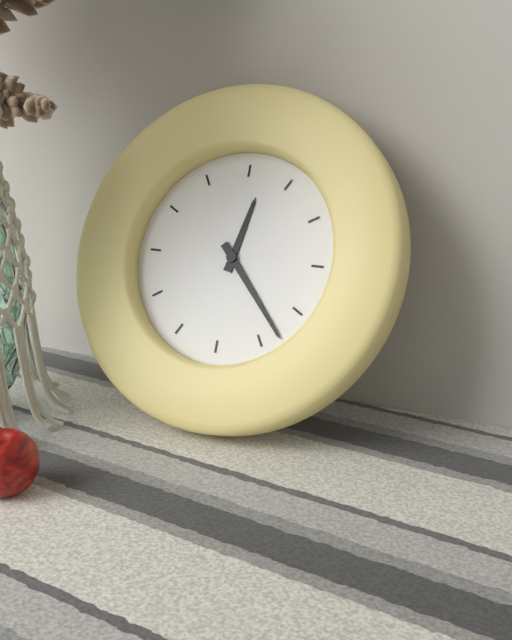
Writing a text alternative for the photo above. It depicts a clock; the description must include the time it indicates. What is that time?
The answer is 12:23
